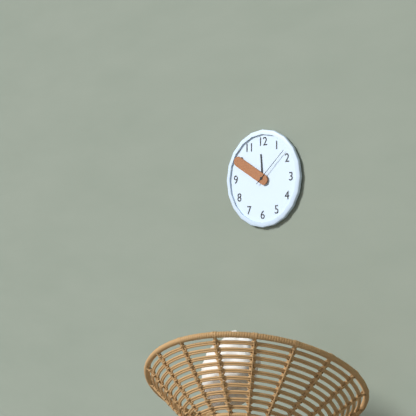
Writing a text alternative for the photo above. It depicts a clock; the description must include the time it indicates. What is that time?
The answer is 11:50
